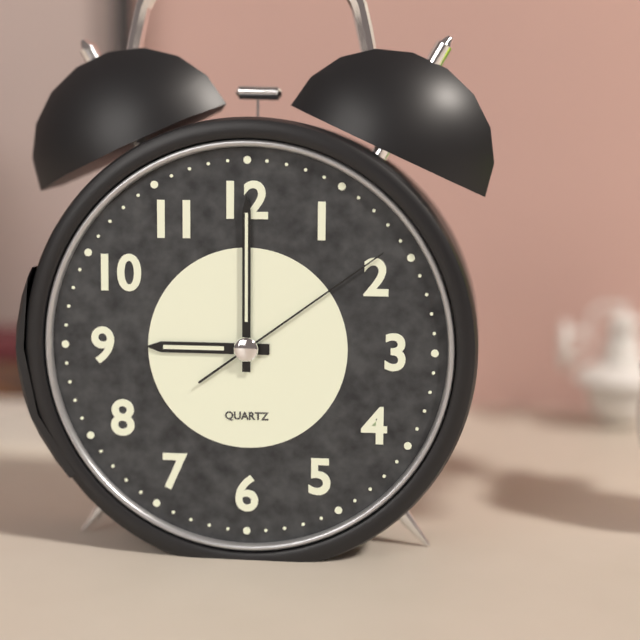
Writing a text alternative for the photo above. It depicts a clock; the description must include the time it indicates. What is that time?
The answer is 9:00:09
